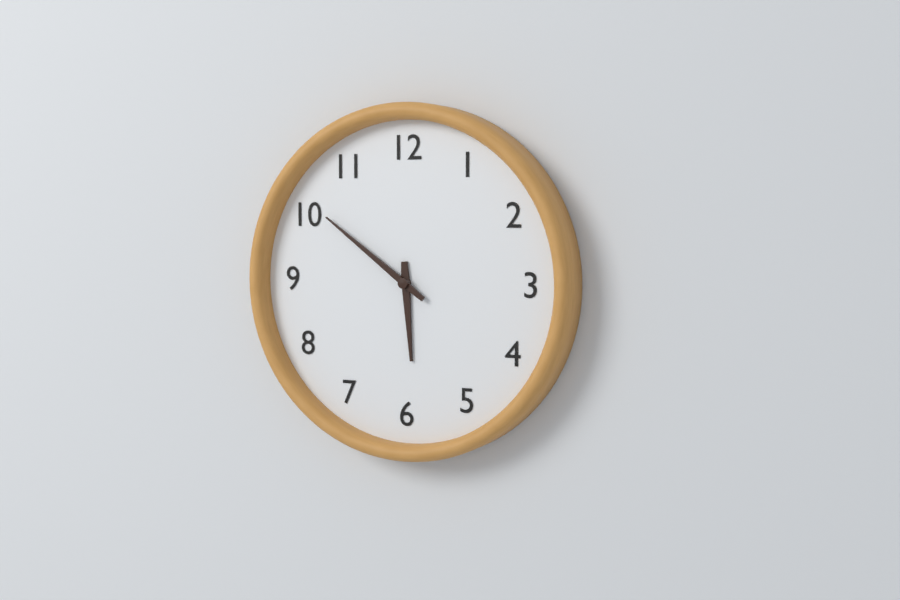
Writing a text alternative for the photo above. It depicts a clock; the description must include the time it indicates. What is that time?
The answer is 5:51
